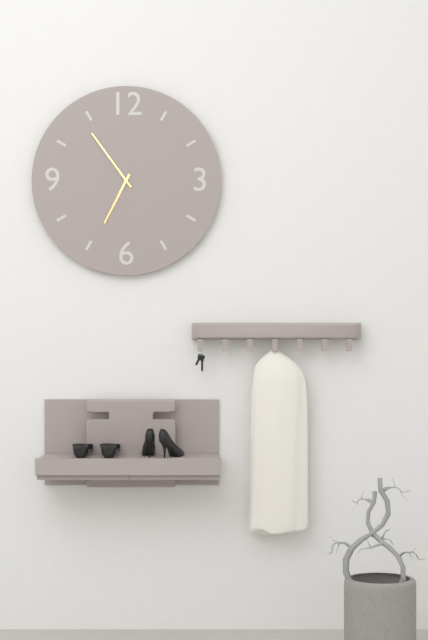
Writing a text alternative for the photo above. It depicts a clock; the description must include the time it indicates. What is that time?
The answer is 6:54
